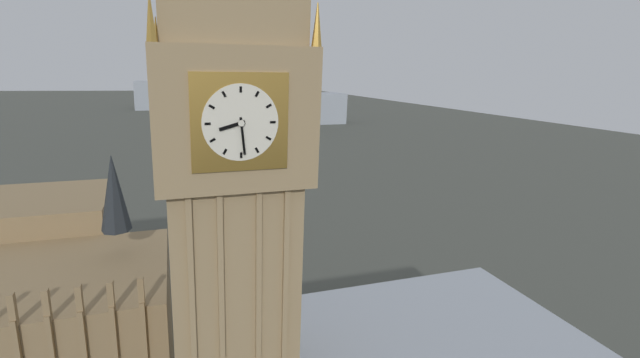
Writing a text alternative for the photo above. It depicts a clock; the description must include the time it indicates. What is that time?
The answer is 8:29
